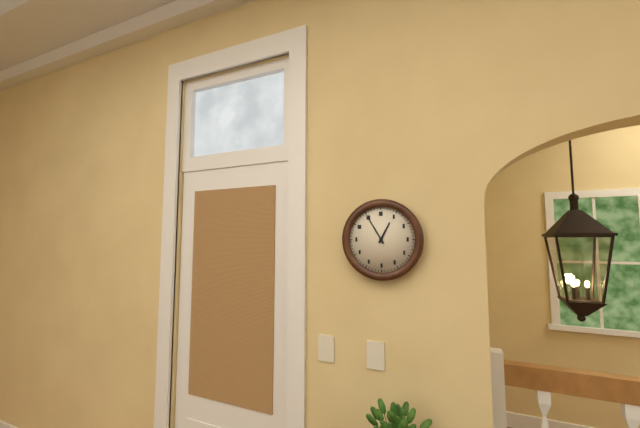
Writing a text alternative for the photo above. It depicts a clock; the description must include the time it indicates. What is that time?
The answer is 12:55
